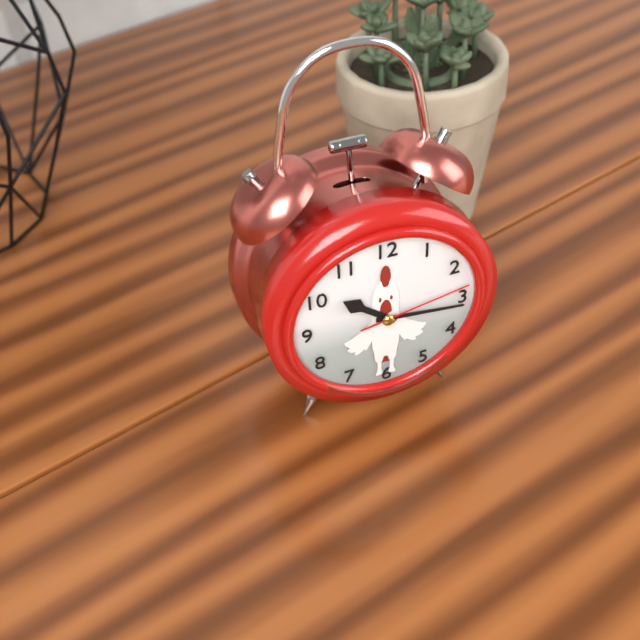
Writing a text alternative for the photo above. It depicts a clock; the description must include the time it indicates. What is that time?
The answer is 10:16:13
